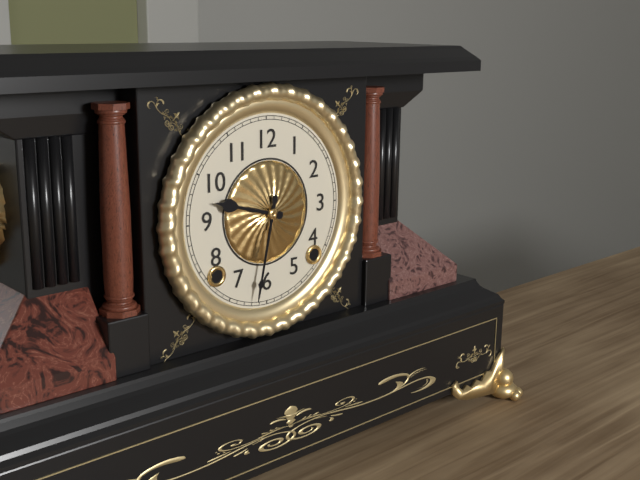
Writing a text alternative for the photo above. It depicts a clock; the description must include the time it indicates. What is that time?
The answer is 9:32
